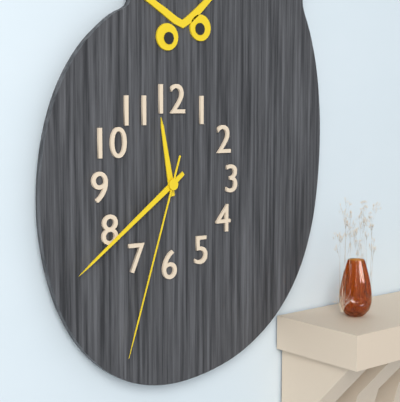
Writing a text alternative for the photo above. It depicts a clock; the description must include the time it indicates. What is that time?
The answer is 11:39:33
